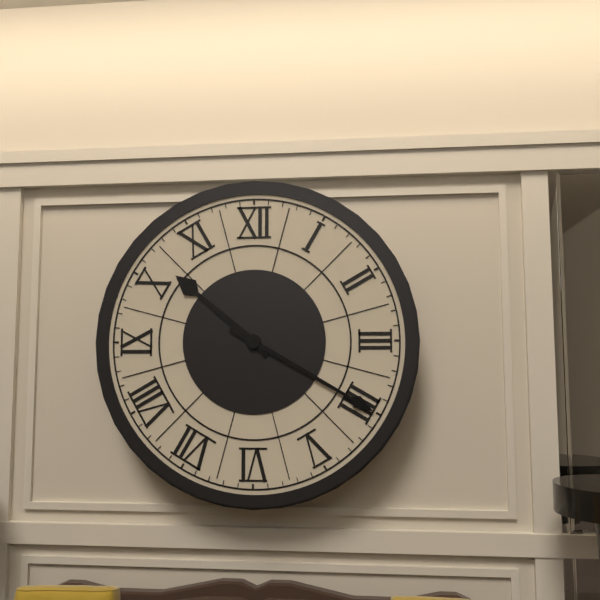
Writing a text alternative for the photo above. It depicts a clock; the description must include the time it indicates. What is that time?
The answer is 10:20
